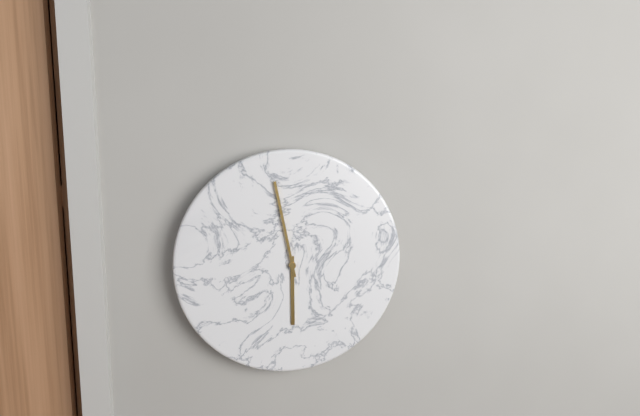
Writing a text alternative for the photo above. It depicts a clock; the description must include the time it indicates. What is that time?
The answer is 5:58
